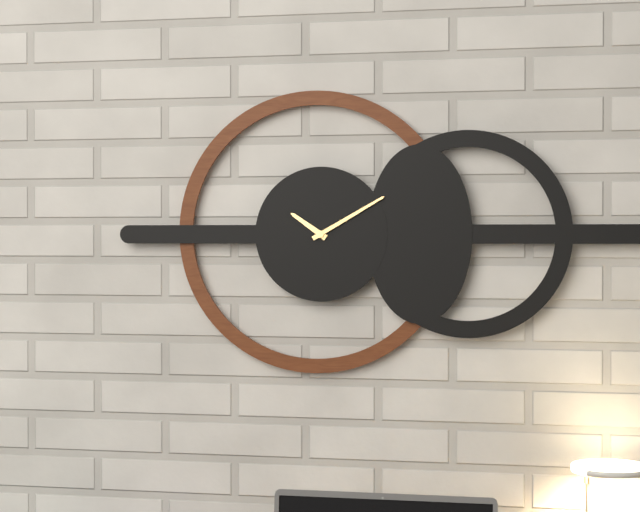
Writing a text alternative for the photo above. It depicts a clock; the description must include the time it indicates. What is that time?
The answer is 10:10
